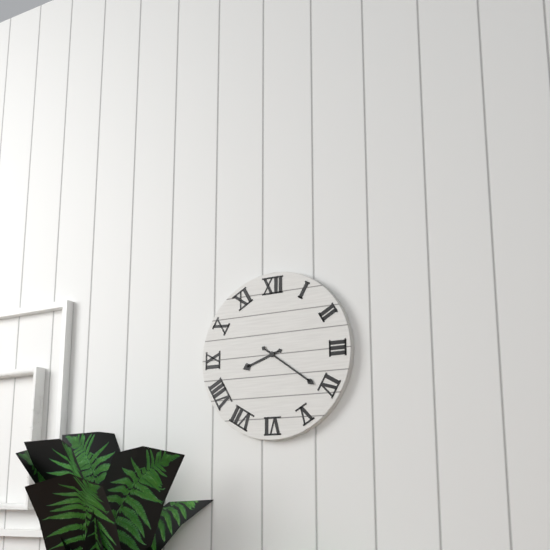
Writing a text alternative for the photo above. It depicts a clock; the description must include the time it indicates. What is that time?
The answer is 8:21
